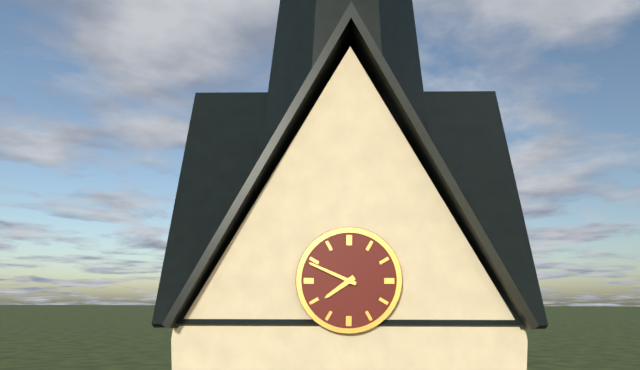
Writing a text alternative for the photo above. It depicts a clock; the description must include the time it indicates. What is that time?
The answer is 7:49
